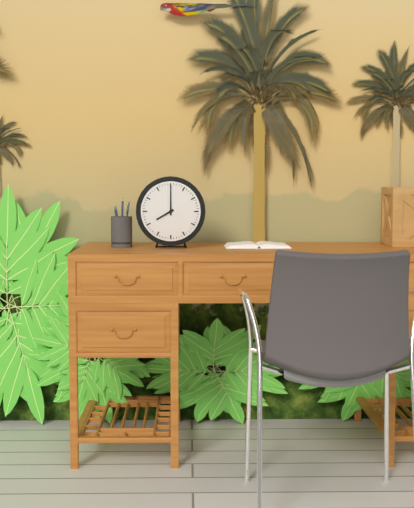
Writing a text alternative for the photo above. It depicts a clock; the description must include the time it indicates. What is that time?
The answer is 8:00
